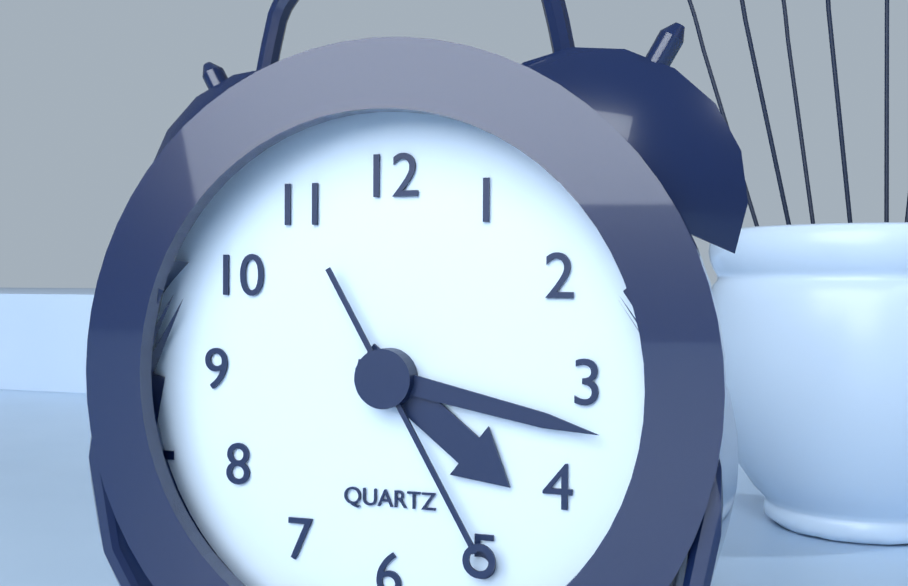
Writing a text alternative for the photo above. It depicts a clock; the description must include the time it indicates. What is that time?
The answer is 4:17:25
